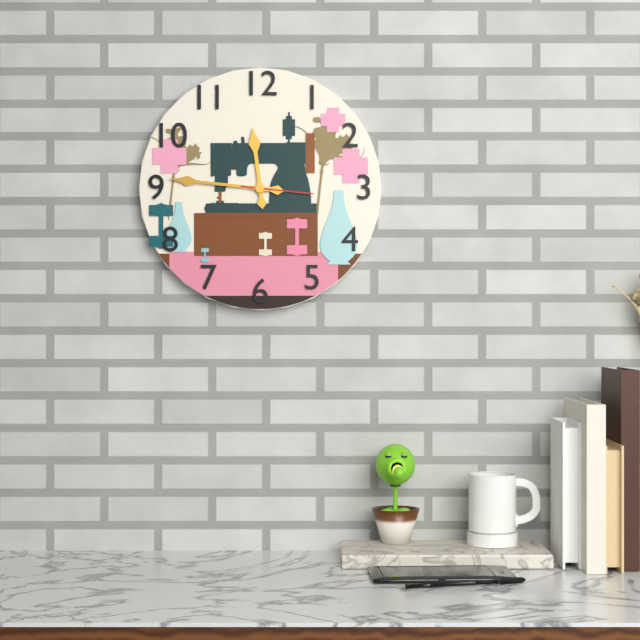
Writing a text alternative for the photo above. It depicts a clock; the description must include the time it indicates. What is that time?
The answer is 11:46:16
